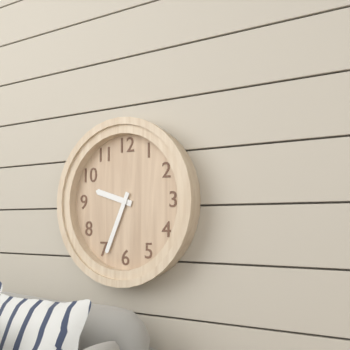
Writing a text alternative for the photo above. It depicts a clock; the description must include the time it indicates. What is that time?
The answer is 9:34
